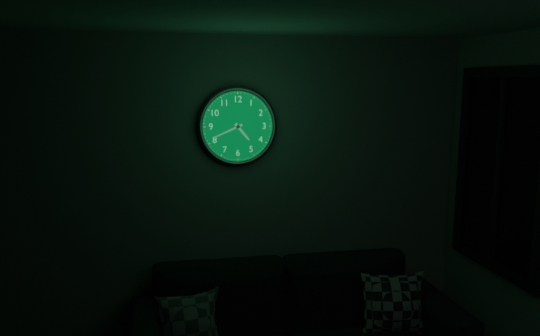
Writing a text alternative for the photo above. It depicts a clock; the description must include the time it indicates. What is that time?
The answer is 4:41
